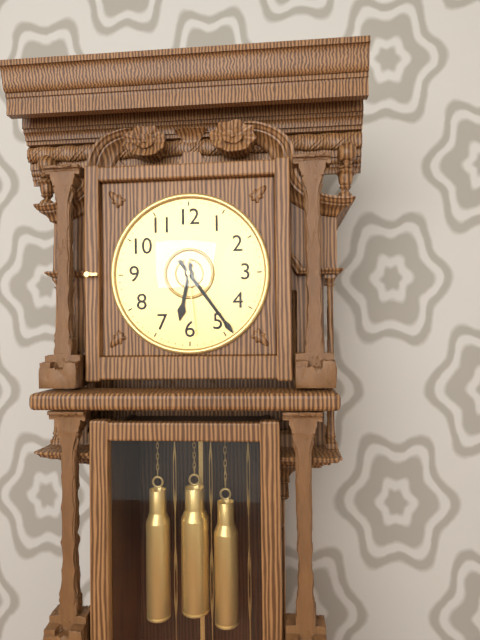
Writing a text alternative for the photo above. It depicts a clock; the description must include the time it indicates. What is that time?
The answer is 6:24:29
